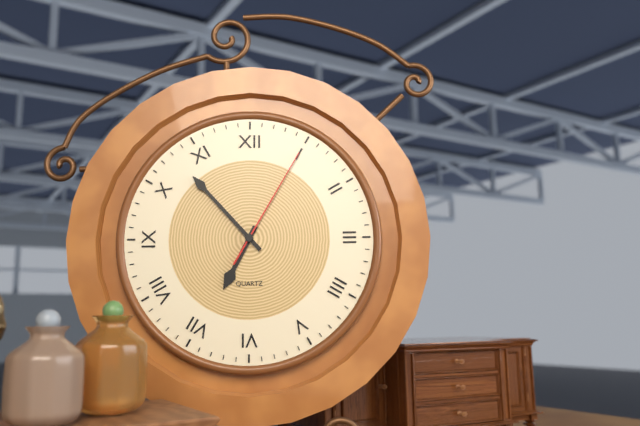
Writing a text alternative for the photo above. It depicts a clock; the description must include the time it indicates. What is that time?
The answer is 6:53:05
